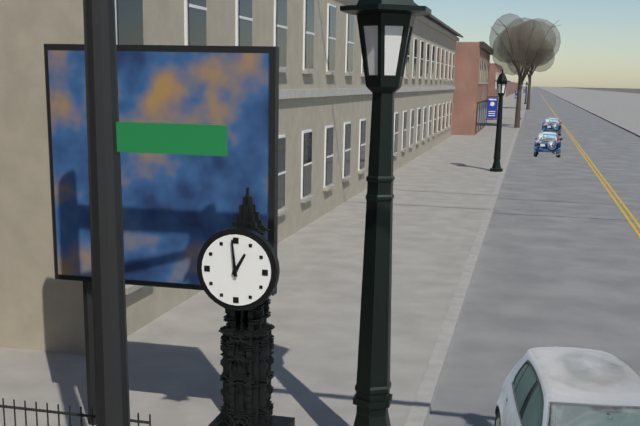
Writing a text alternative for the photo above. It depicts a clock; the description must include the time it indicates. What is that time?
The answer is 12:59
